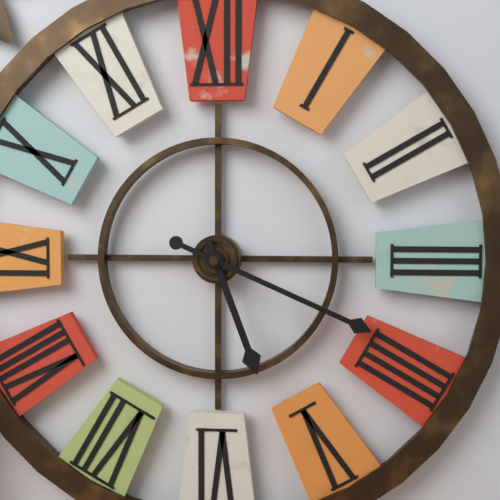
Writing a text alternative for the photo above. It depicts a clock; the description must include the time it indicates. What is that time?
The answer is 5:19
